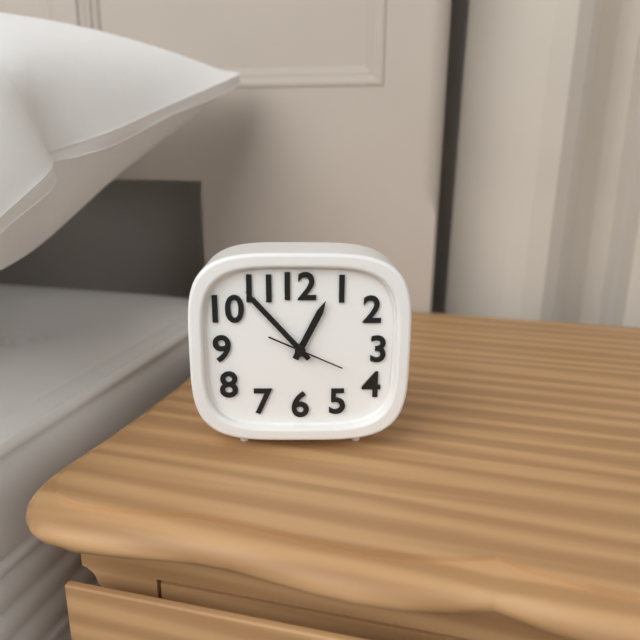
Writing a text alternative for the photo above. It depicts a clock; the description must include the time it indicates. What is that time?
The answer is 12:53:19
